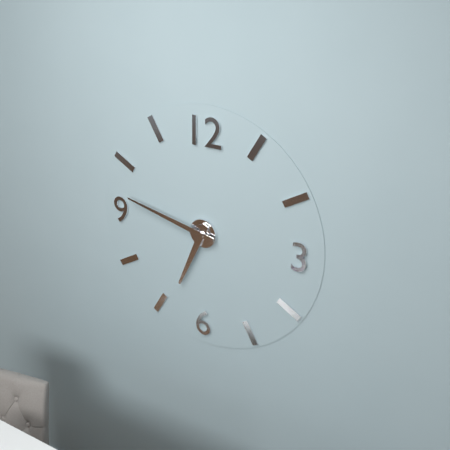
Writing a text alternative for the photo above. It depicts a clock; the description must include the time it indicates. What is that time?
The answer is 6:47
